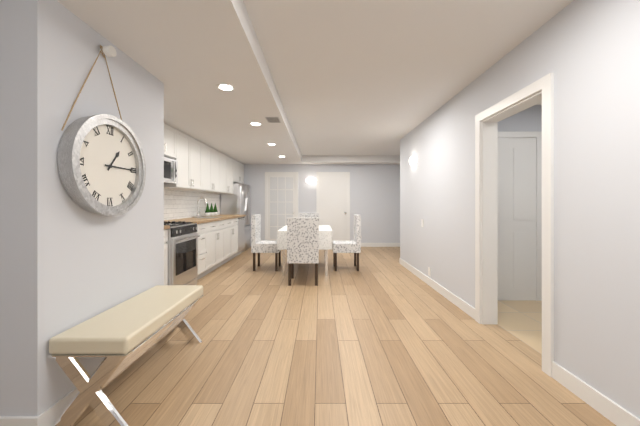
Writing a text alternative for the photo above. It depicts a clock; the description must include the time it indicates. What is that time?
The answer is 1:15
